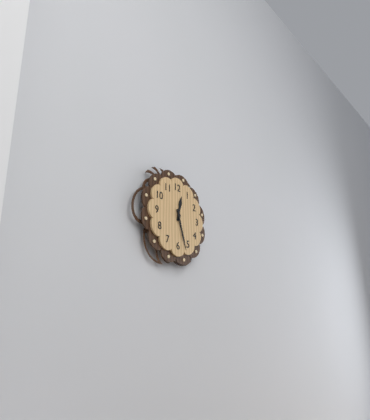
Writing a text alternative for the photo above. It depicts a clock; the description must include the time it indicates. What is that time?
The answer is 12:27
